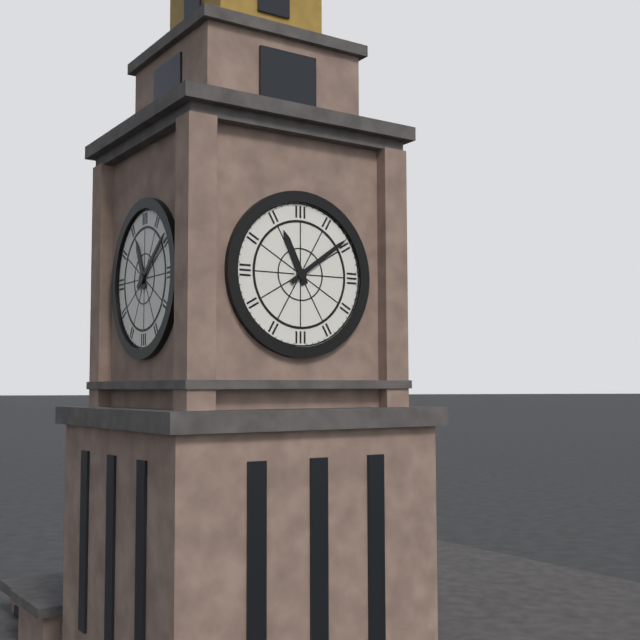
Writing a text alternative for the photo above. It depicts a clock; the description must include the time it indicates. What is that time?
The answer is 11:09
